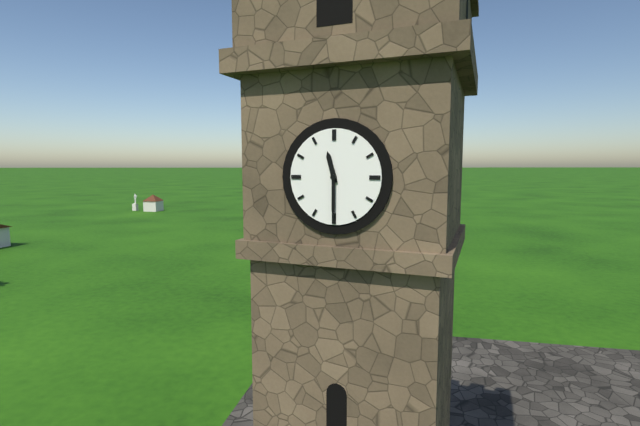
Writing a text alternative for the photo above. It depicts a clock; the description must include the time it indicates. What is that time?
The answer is 11:30
